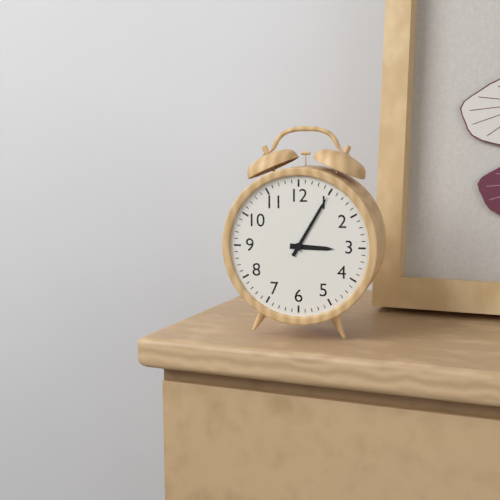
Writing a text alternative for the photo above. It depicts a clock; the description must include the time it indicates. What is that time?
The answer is 3:05
